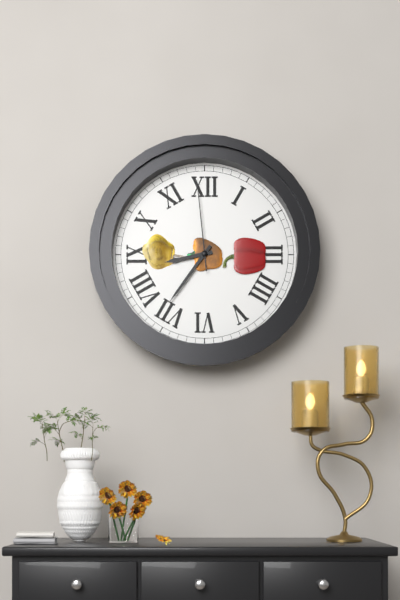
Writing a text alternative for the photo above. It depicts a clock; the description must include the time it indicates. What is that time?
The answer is 8:36:59
